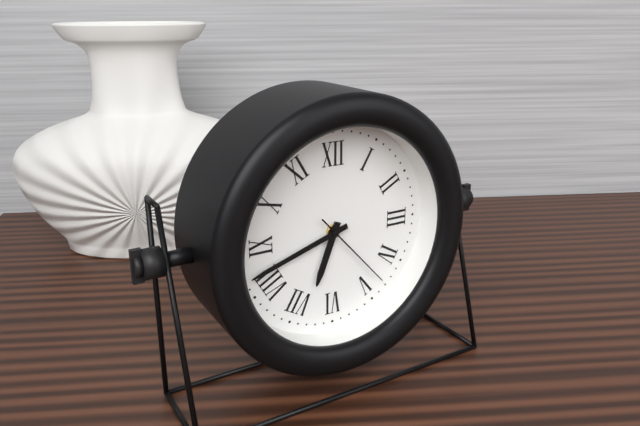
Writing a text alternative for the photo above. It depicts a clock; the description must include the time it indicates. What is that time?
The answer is 6:42:23
